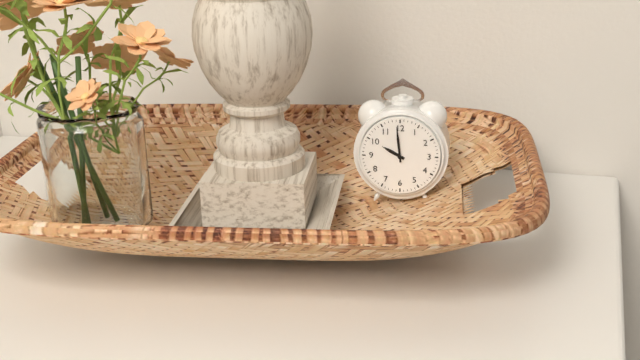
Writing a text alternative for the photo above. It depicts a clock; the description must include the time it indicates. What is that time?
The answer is 9:59
